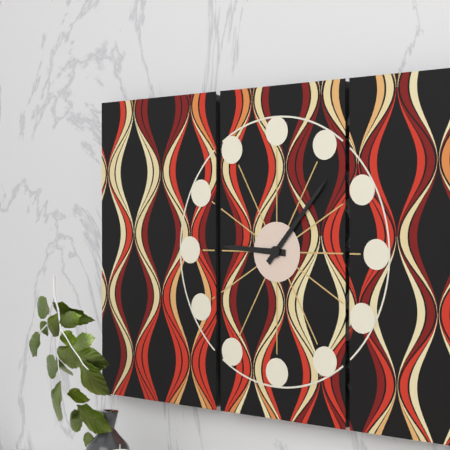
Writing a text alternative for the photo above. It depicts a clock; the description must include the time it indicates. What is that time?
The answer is 9:07
